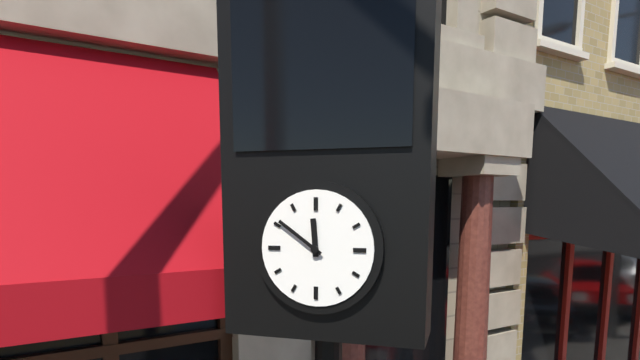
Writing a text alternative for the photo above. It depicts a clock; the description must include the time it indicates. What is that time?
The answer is 11:51
